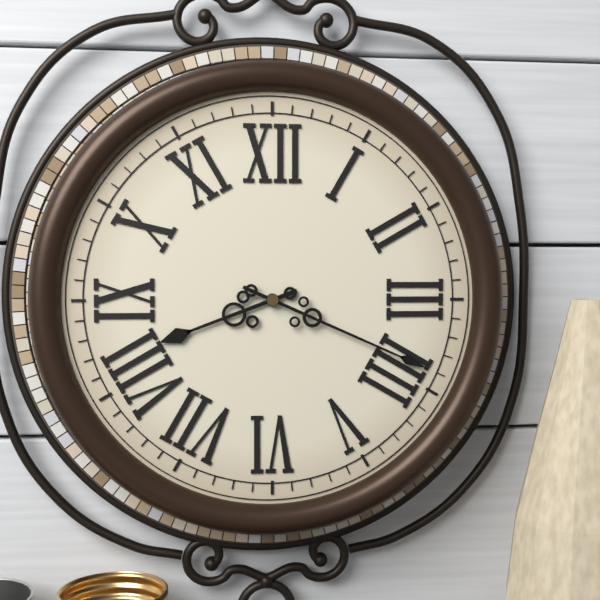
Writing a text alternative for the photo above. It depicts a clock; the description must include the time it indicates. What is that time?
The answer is 8:19
